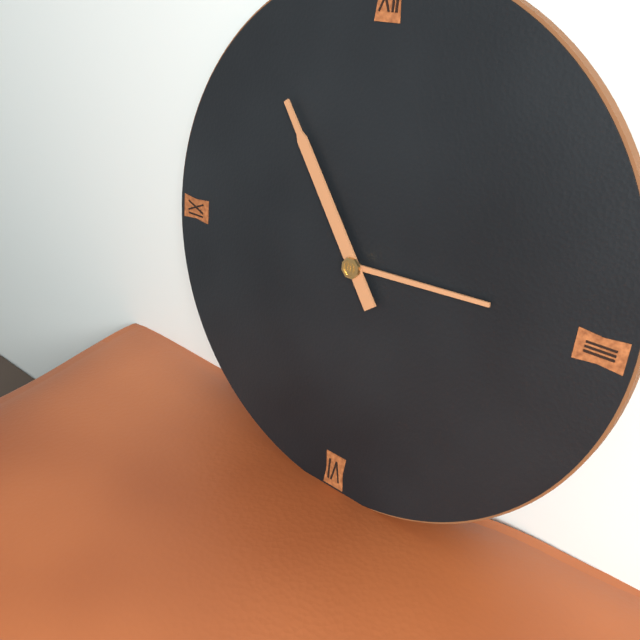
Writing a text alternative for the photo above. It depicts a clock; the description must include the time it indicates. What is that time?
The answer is 2:54
